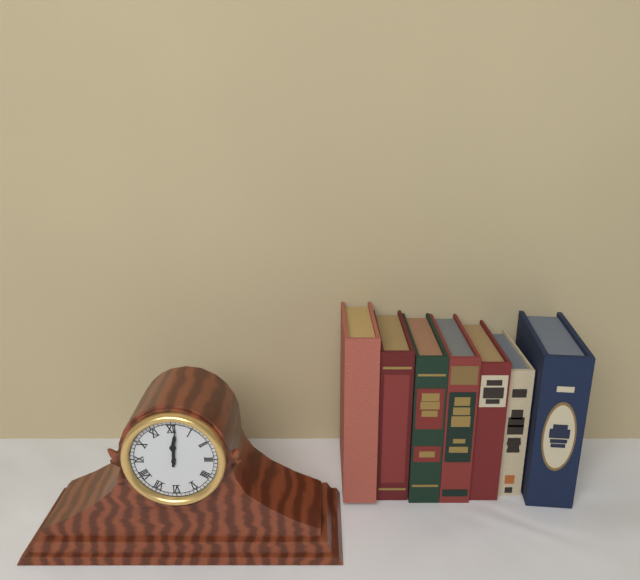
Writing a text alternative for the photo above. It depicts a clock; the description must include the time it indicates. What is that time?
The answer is 12:01
